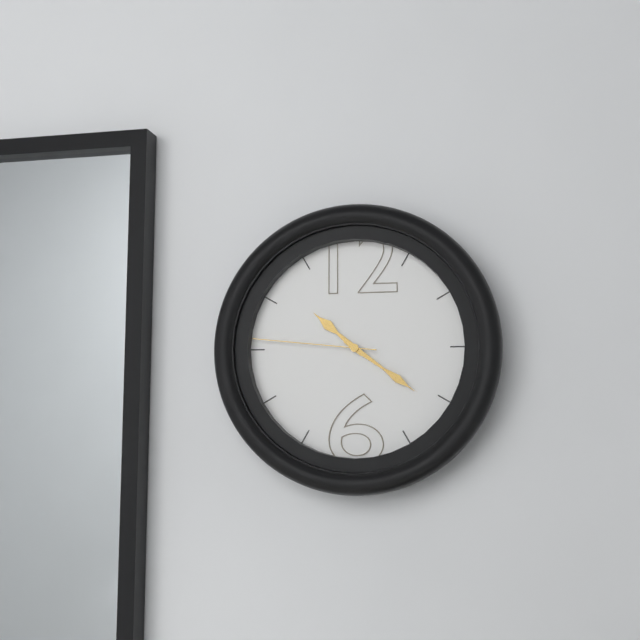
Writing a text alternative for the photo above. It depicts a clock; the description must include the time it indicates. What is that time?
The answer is 10:21:46
